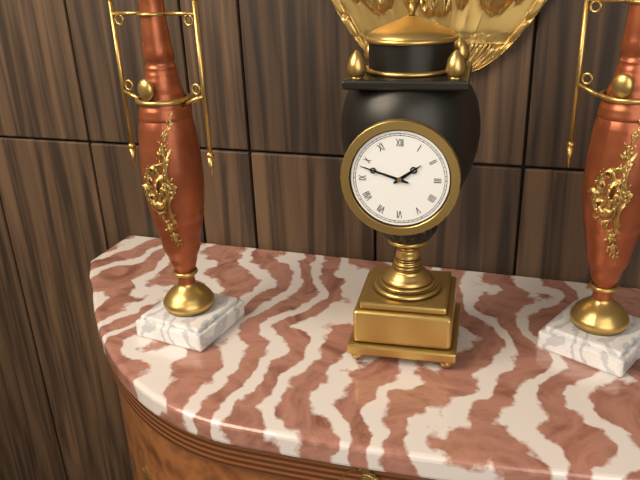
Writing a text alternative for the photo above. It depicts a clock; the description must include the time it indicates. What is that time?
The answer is 1:48
